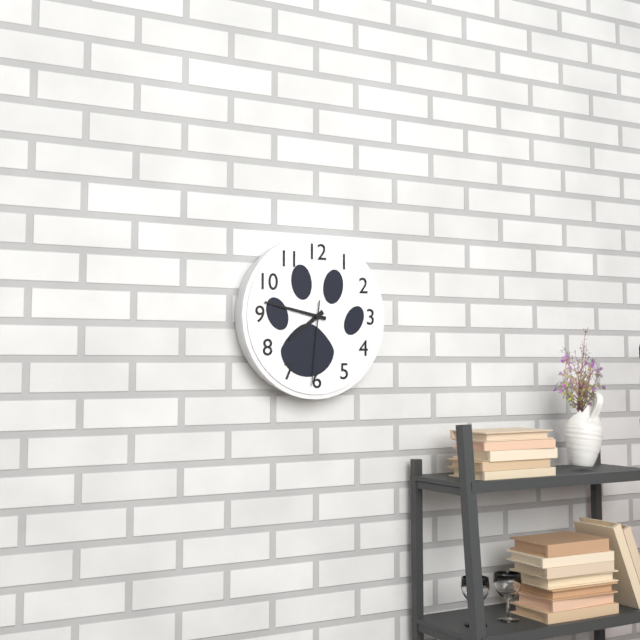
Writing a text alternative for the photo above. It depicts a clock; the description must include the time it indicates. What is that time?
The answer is 7:47:31
